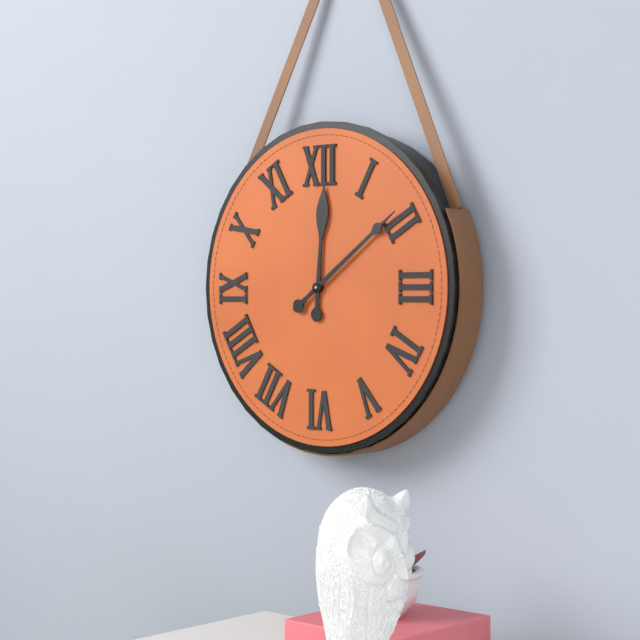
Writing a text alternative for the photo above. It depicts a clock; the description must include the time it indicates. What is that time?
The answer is 12:09
